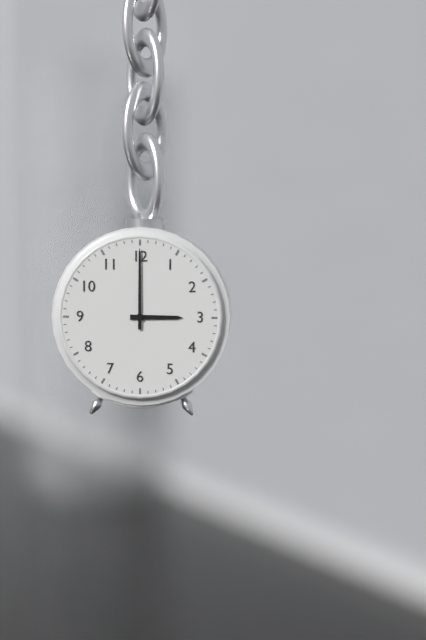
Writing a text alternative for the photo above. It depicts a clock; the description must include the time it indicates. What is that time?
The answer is 3:00
